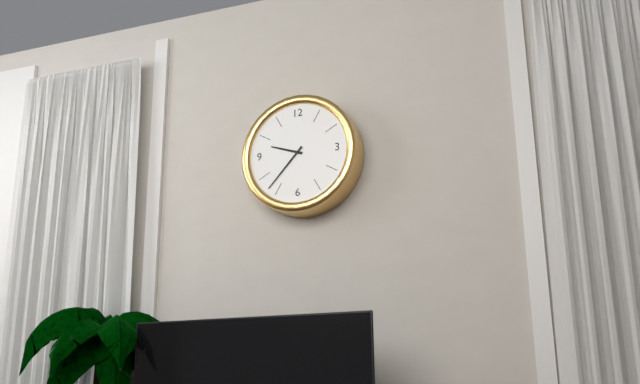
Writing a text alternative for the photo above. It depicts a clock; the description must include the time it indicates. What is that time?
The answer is 9:37
